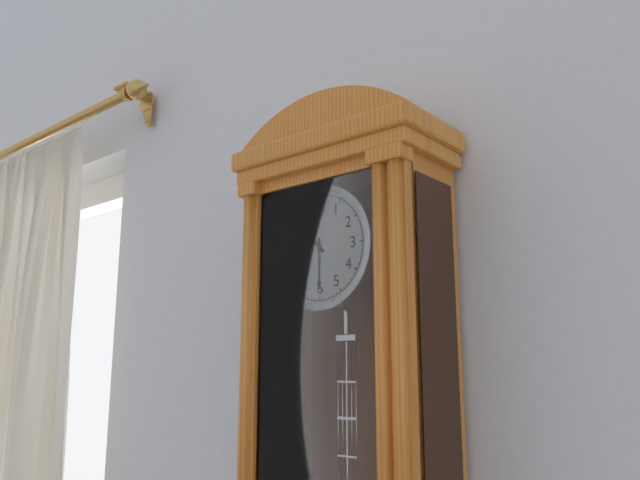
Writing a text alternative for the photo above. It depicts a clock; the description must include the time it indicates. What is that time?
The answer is 10:30
